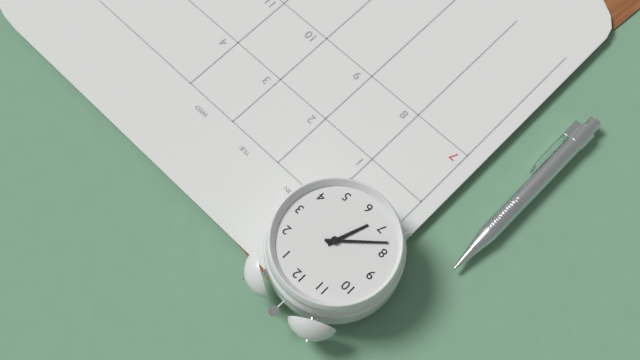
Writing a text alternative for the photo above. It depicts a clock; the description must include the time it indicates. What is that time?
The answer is 6:38
